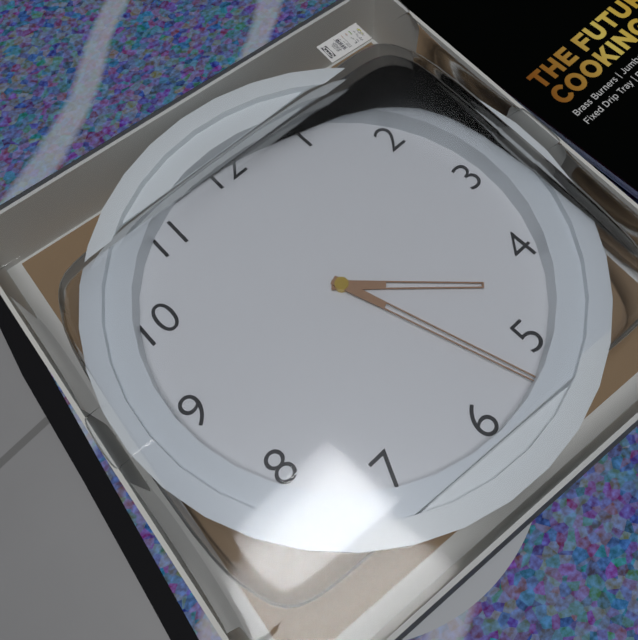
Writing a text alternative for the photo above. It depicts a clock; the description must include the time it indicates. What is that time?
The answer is 4:27
